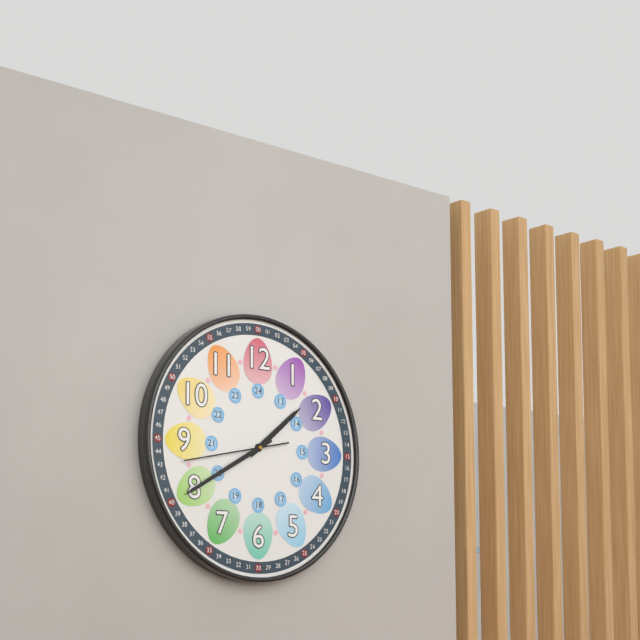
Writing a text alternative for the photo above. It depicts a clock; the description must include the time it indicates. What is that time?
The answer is 1:40:43
